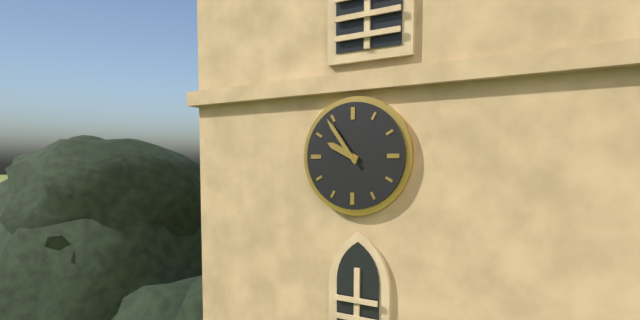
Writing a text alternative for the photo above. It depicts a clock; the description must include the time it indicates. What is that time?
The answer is 9:54
